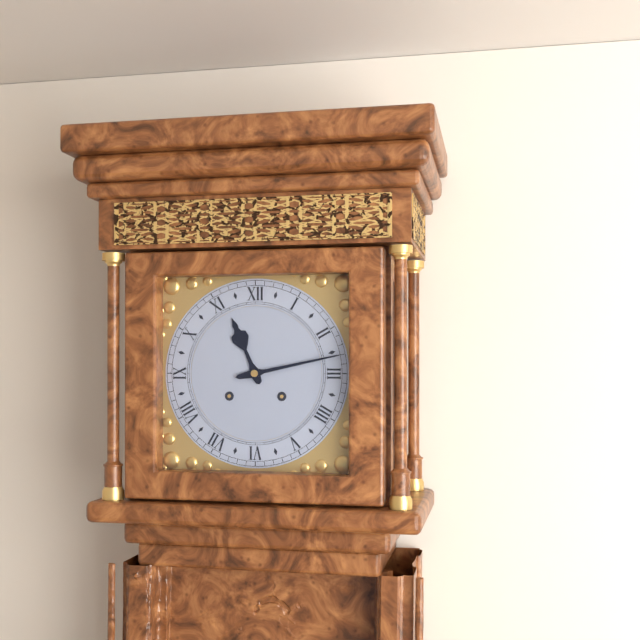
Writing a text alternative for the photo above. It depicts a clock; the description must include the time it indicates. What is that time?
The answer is 11:13
